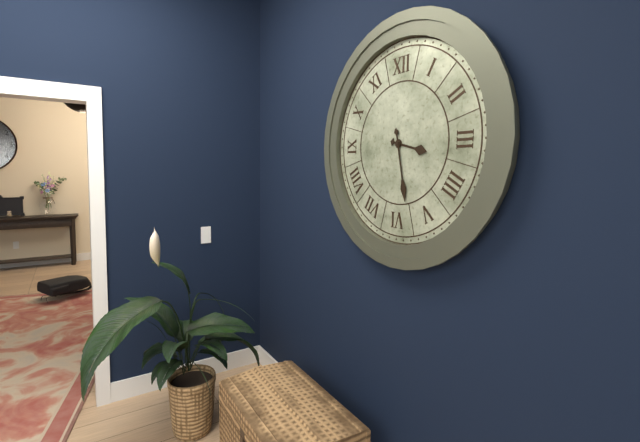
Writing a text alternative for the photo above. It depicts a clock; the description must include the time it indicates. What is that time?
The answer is 3:28
